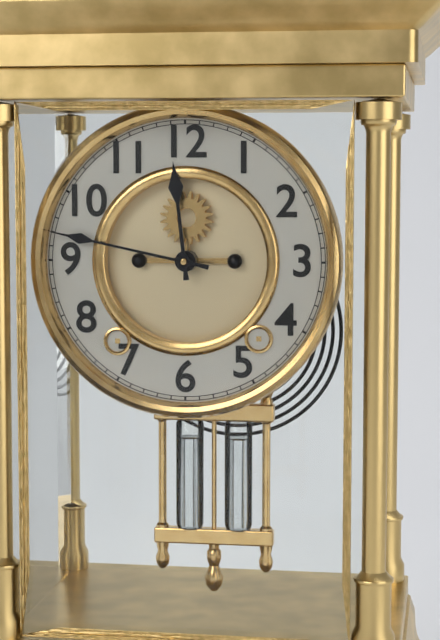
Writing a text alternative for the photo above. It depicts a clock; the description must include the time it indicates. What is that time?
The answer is 11:47
